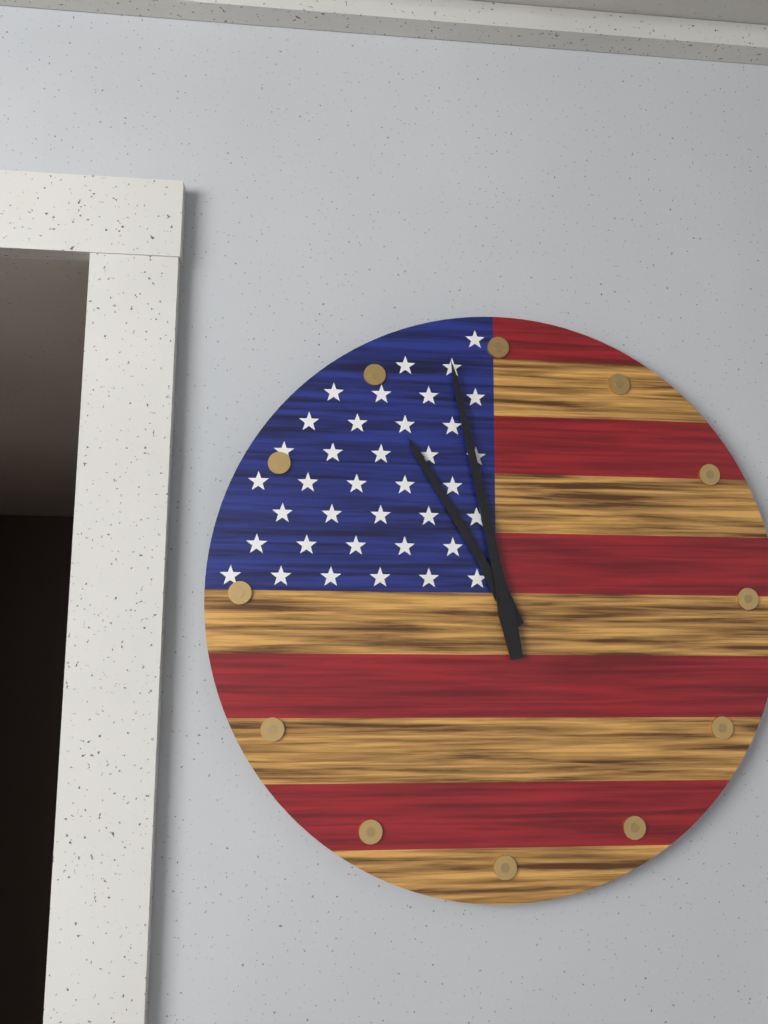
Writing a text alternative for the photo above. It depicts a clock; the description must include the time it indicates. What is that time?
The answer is 10:58
